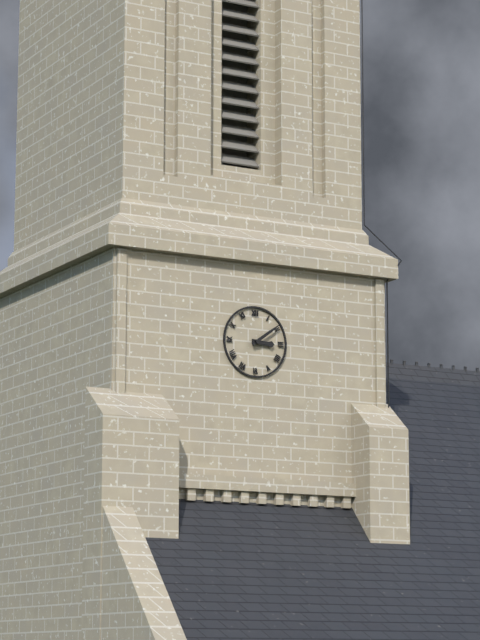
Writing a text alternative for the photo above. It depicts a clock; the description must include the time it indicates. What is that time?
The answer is 3:09
